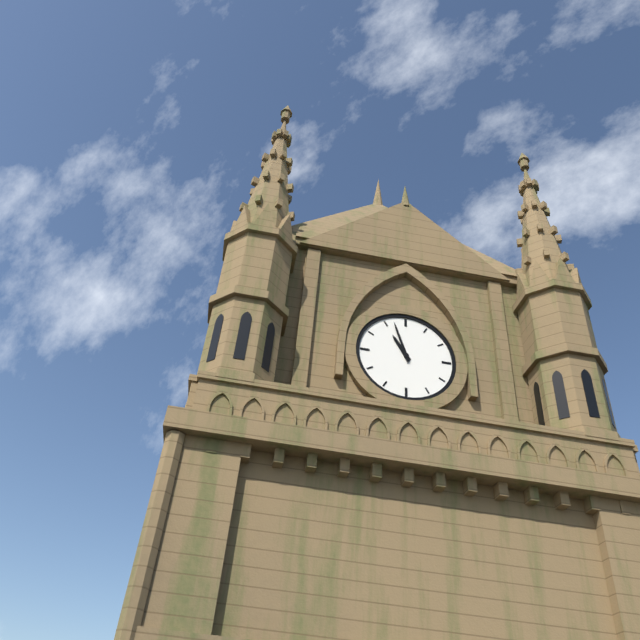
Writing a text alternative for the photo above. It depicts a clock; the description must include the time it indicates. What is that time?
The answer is 10:57
